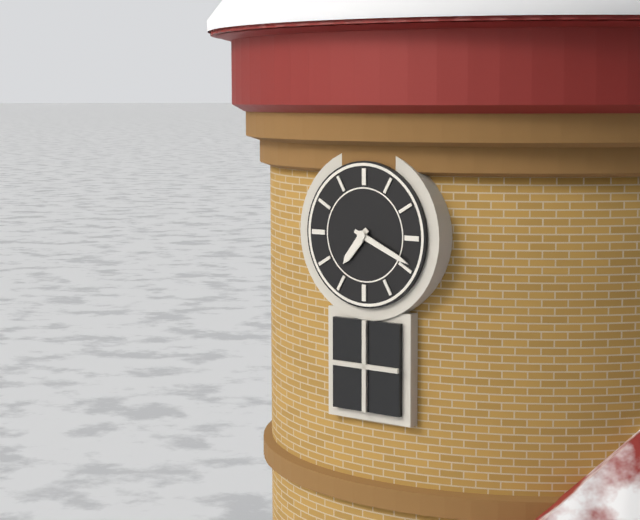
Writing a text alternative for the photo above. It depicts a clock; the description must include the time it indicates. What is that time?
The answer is 7:19
